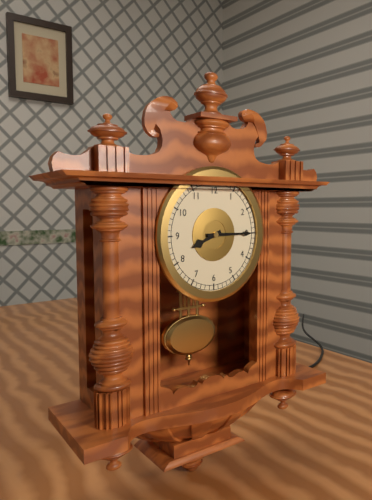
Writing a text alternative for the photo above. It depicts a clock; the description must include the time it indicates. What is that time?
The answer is 8:15
